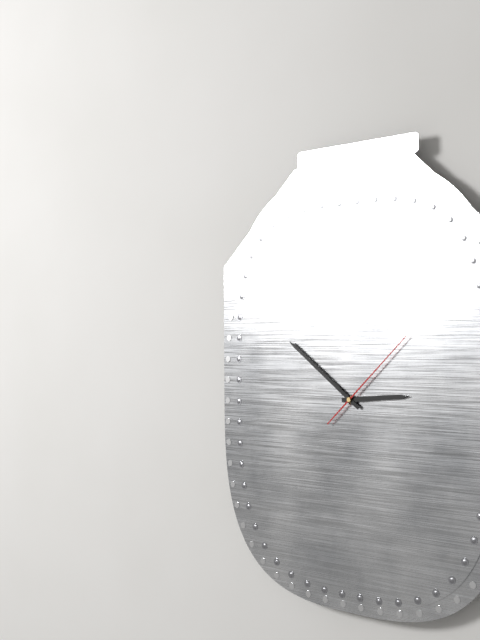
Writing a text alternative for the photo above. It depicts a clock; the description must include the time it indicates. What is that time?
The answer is 2:51:08
